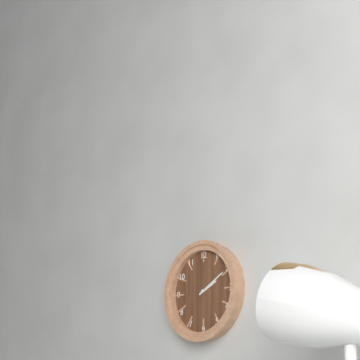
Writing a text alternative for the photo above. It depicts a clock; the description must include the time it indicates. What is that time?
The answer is 2:10
